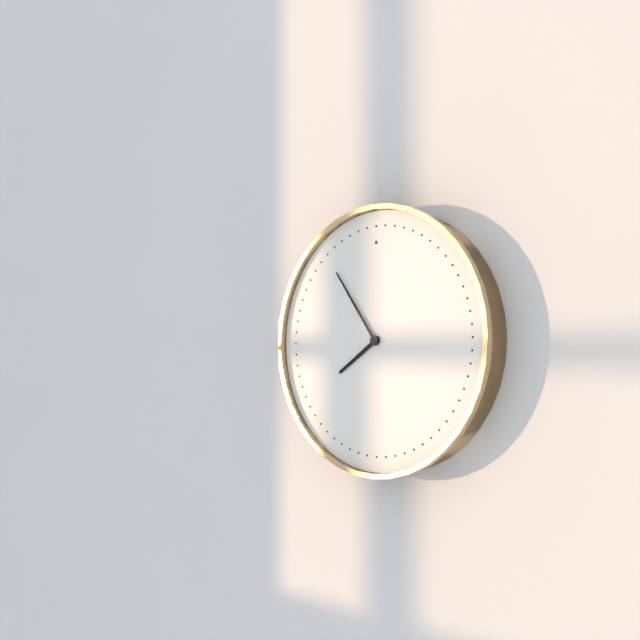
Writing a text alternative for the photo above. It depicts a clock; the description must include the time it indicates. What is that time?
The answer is 7:54
